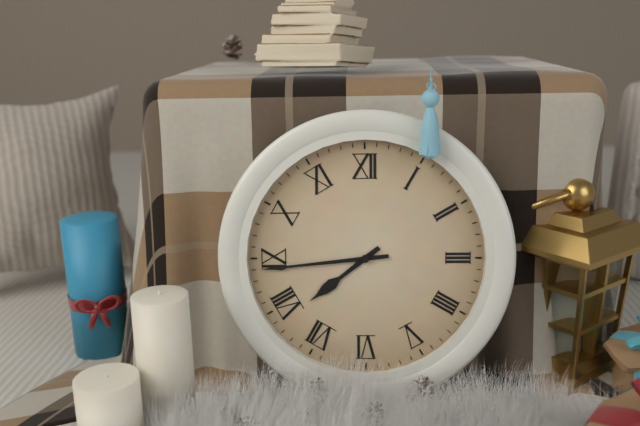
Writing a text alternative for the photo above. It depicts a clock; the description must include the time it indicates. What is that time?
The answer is 7:44
